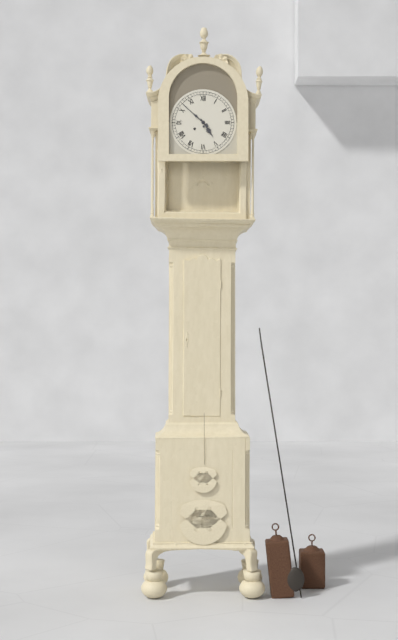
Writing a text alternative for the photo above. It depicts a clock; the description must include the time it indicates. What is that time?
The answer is 4:52
